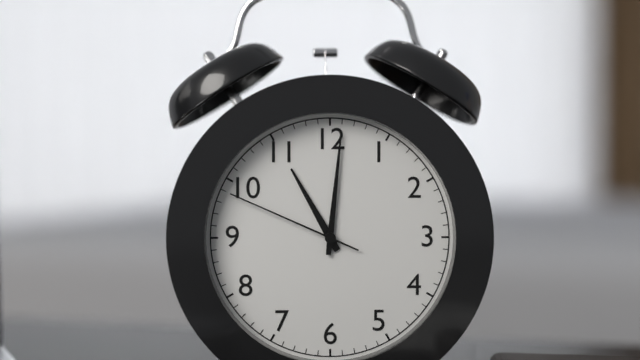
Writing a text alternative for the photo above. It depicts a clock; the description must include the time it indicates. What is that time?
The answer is 11:01:49
